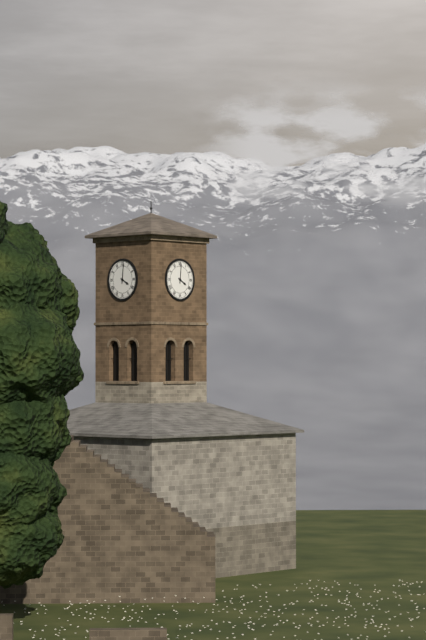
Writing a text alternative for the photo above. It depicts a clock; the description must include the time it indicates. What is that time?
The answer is 4:01
